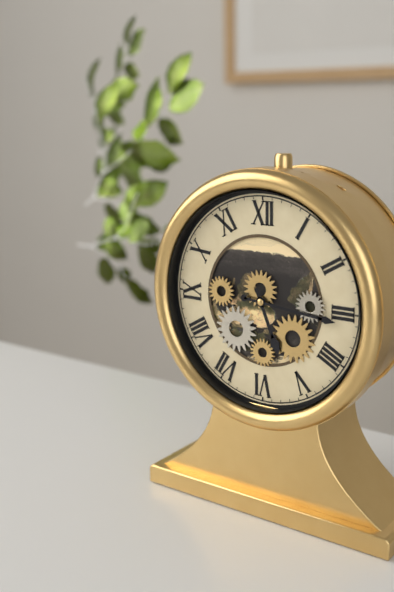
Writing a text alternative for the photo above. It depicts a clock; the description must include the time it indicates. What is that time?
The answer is 5:16
